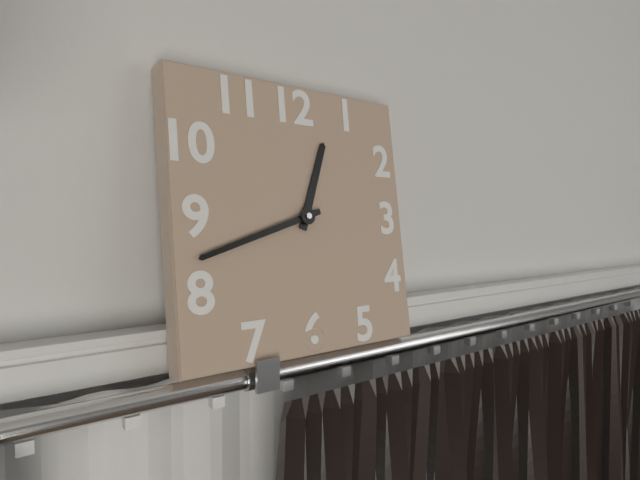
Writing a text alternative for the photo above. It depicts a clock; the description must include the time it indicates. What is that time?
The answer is 12:42
